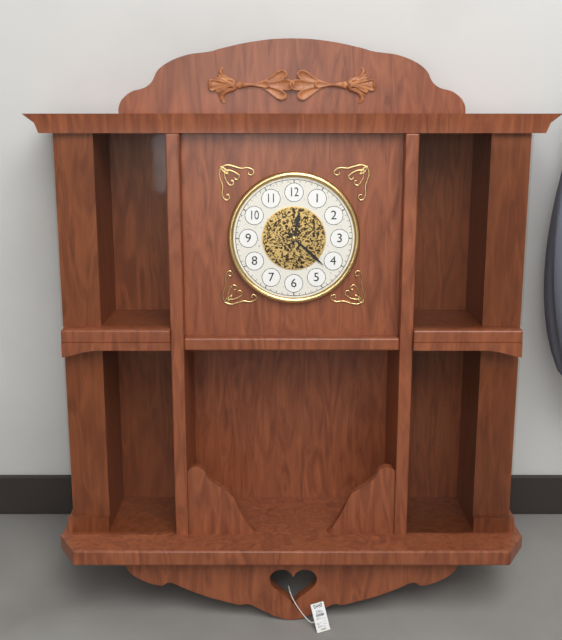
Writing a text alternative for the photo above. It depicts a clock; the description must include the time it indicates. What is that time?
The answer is 12:22
